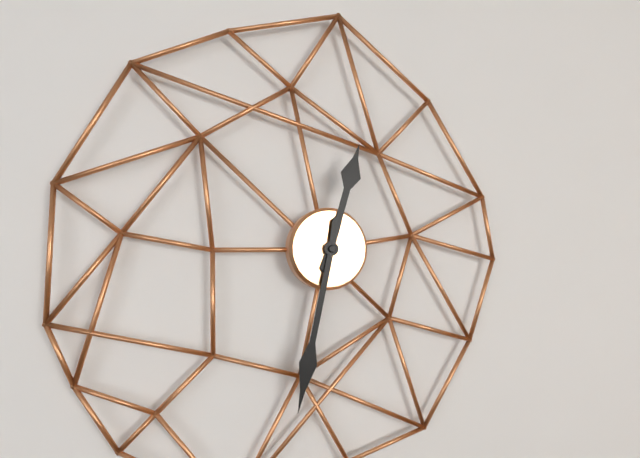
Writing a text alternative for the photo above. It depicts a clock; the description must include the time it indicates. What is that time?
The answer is 12:32
